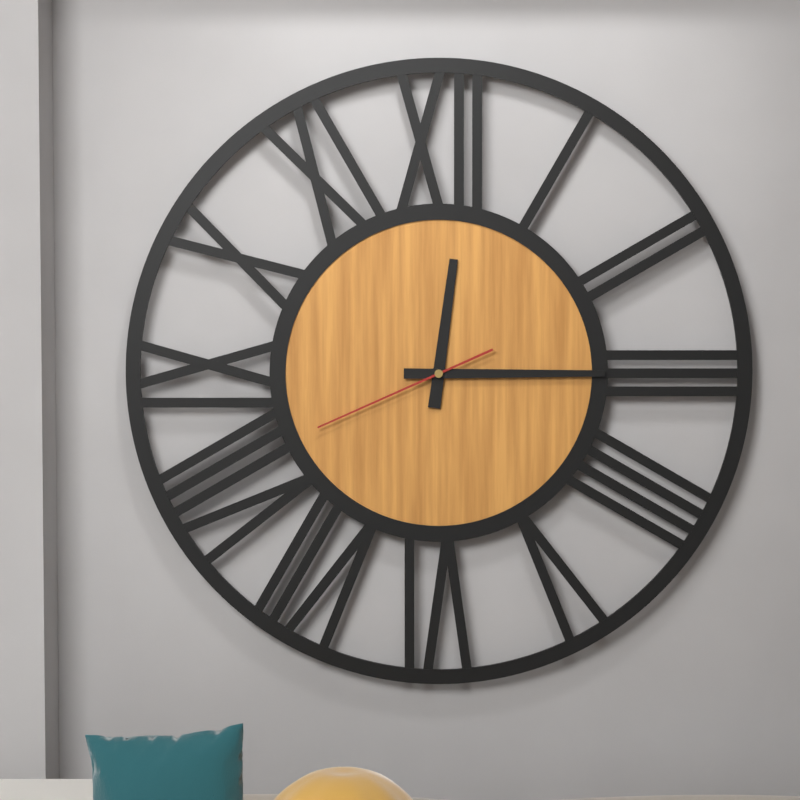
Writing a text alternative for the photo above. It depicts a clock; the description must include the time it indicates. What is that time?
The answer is 12:15:41
